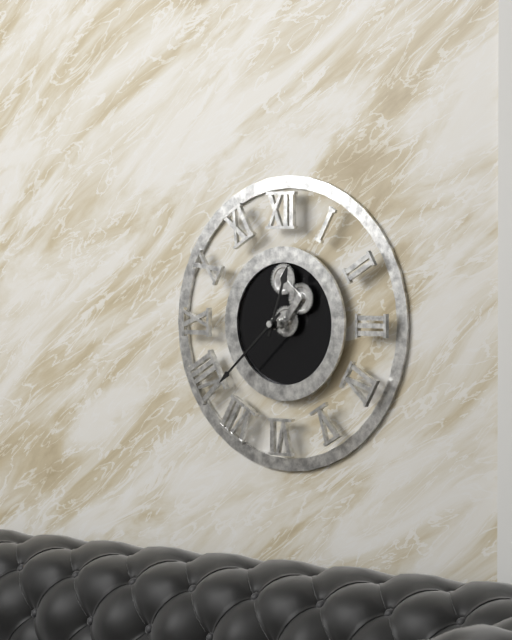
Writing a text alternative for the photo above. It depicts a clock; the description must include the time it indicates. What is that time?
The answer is 12:38
